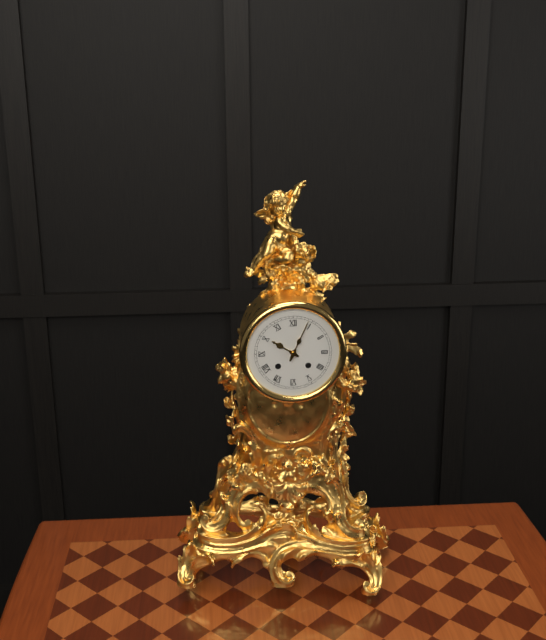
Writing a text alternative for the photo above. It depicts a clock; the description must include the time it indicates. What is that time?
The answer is 10:04
